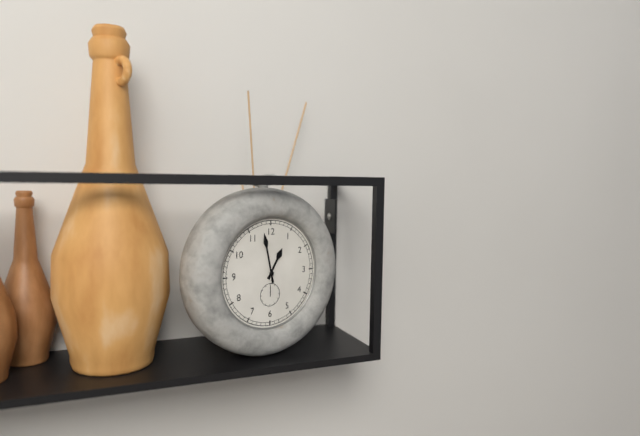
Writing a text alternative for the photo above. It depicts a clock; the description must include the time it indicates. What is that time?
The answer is 12:58
